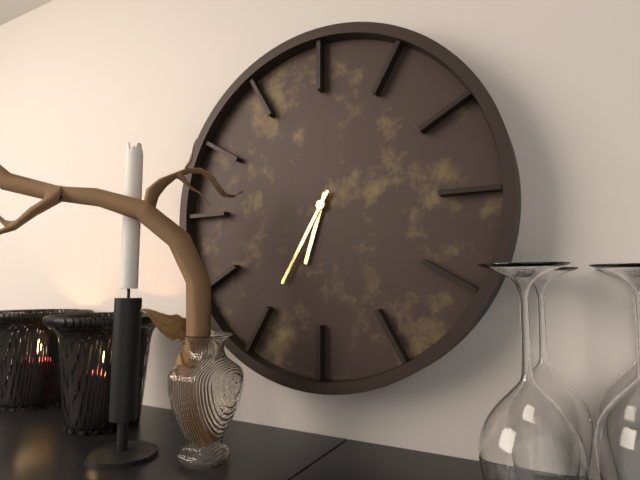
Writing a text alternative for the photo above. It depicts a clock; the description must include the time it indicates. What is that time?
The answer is 6:35
